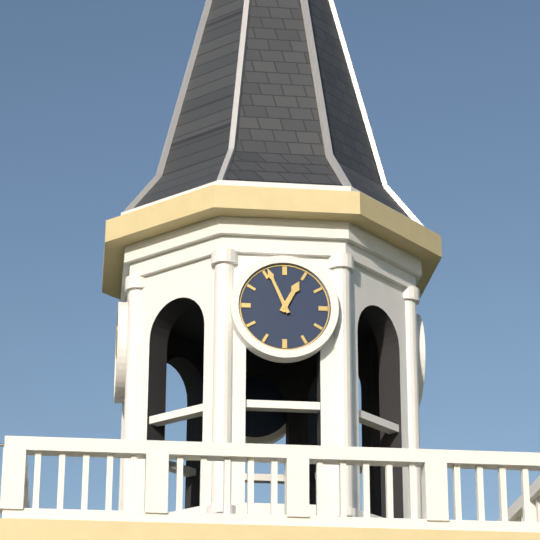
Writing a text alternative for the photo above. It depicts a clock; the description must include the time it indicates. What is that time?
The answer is 12:56
